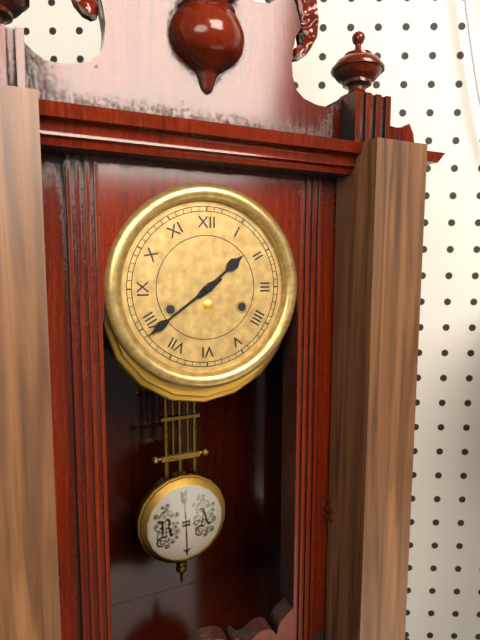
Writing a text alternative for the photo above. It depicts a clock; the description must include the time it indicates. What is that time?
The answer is 1:39
